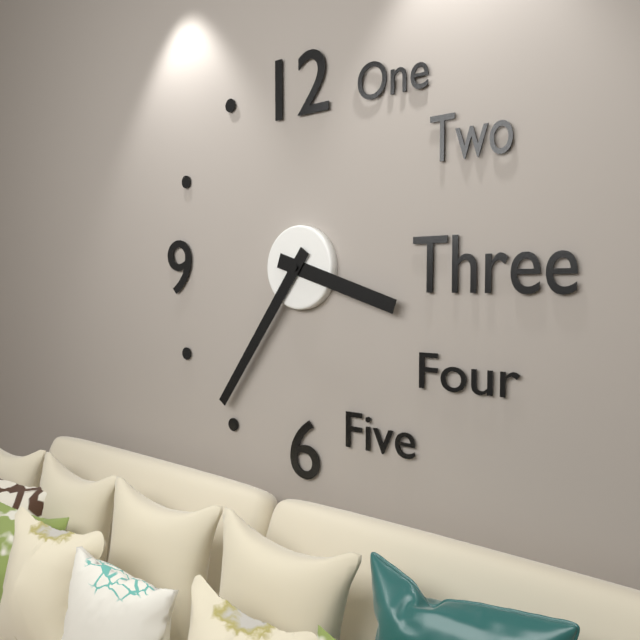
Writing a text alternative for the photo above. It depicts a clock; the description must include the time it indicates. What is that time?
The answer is 3:36
